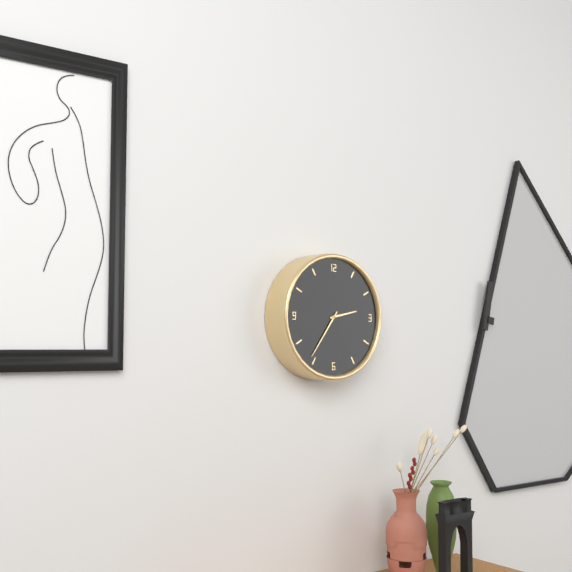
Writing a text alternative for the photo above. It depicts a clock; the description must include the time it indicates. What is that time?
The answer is 2:36
